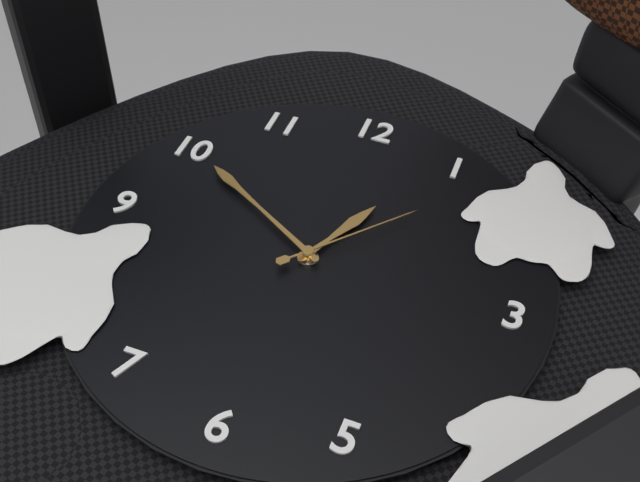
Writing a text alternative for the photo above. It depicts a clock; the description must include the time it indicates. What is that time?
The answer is 12:50:07
